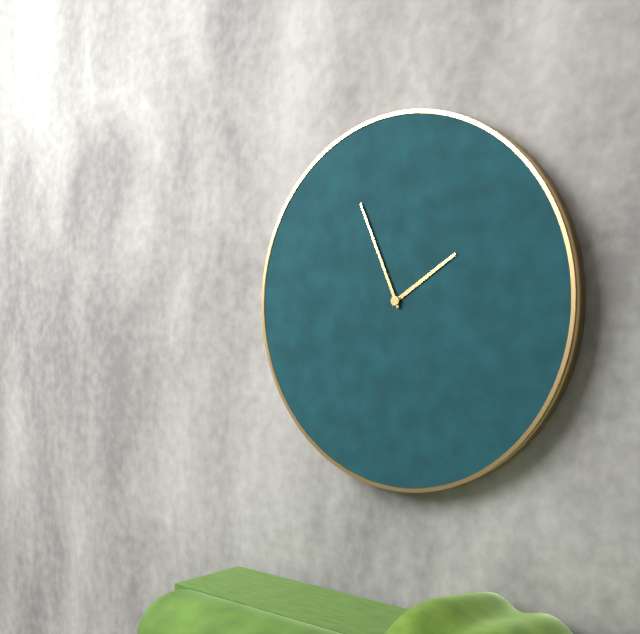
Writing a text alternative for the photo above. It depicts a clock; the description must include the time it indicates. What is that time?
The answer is 1:56
